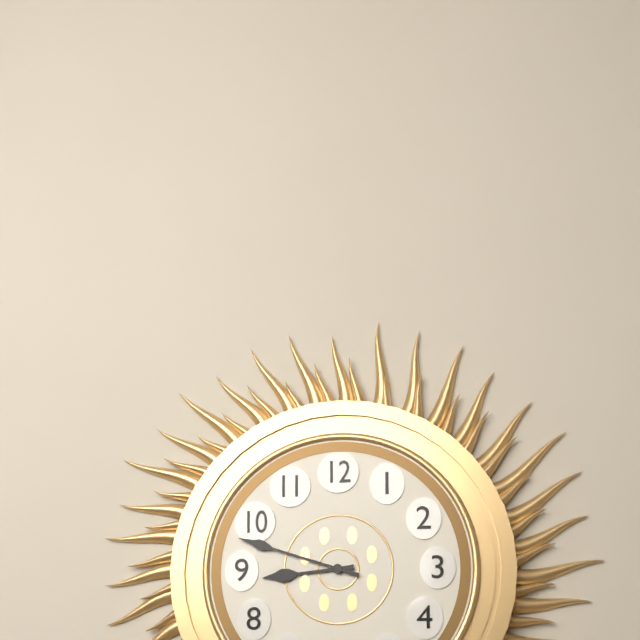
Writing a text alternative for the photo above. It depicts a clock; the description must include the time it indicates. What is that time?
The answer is 8:48
